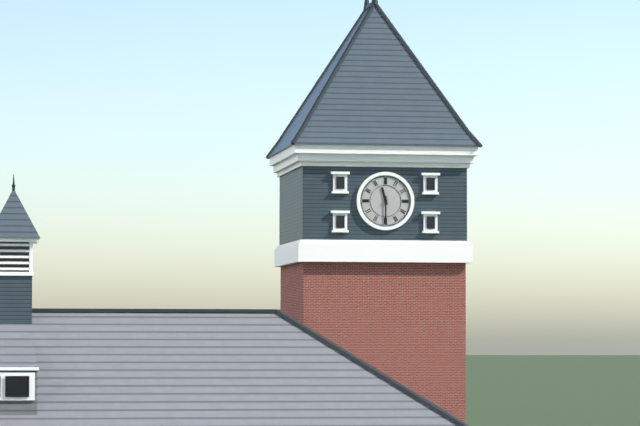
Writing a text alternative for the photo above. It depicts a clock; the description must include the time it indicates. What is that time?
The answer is 11:30
